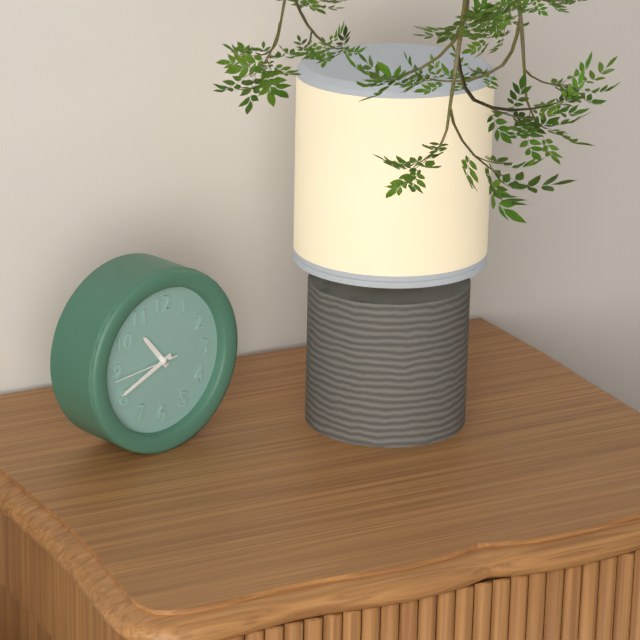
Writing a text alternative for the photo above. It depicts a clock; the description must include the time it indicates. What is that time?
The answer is 10:41:44
